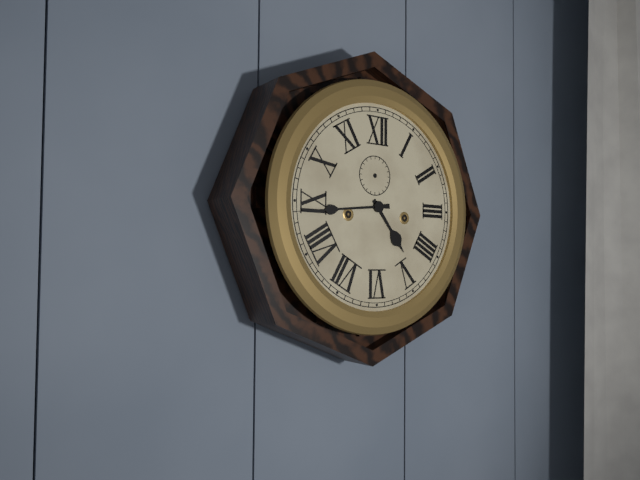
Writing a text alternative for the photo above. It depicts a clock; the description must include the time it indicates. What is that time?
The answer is 4:44
